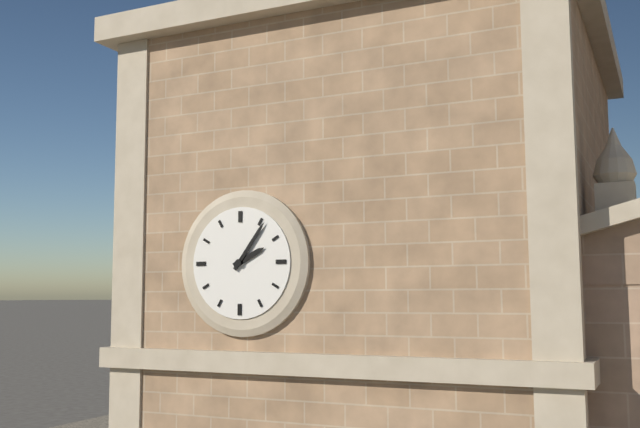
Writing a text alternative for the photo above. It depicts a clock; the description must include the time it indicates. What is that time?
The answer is 2:06
